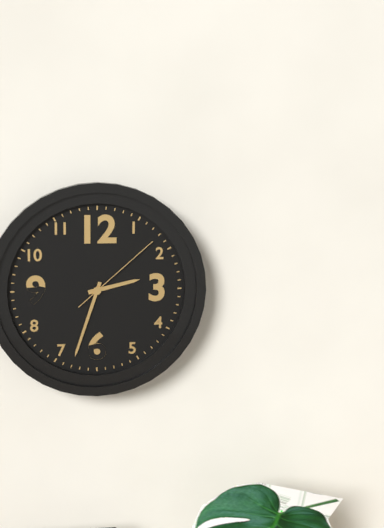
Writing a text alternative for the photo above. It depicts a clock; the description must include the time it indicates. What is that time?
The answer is 2:33:08
